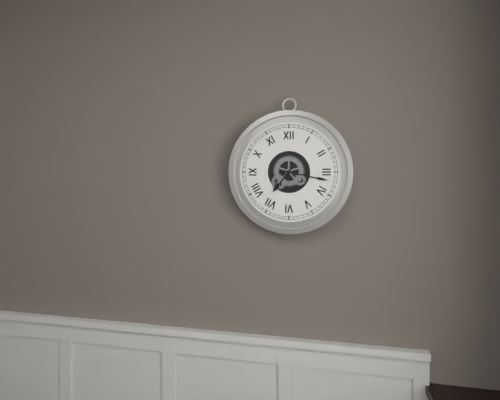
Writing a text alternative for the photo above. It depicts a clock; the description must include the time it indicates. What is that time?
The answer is 7:17
